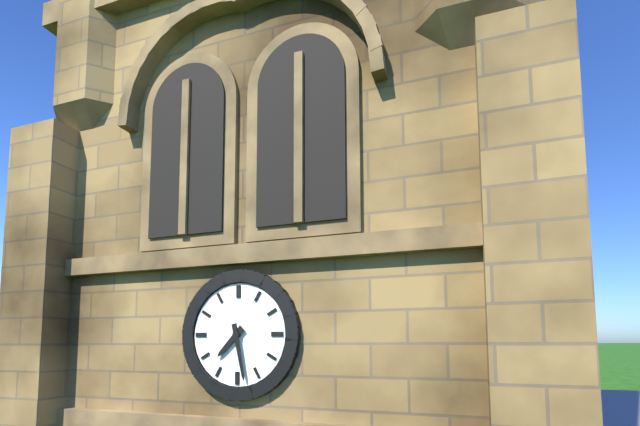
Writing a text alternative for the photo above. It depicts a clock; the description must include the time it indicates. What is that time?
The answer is 7:28
